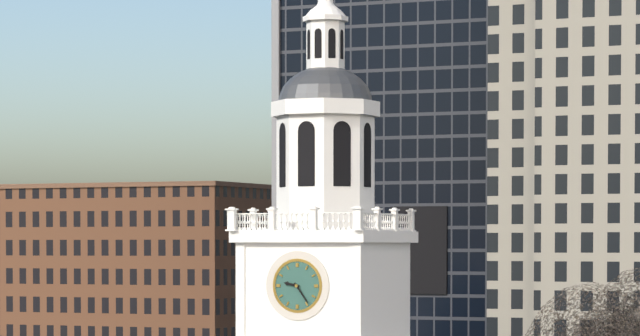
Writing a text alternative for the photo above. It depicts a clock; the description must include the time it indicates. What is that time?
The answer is 9:24
